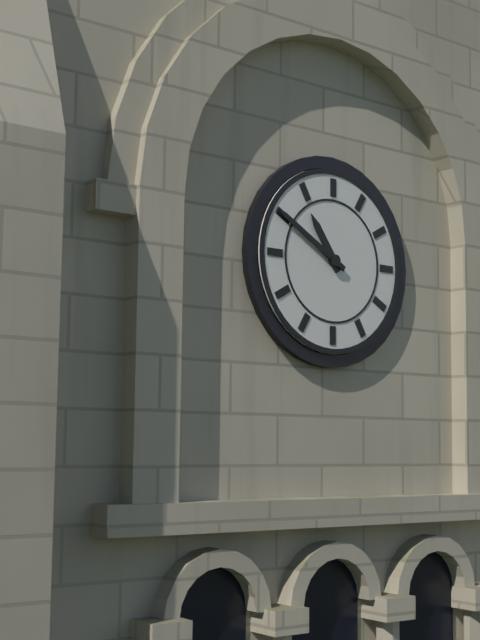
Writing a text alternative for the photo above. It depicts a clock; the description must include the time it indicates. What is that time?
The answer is 10:50
